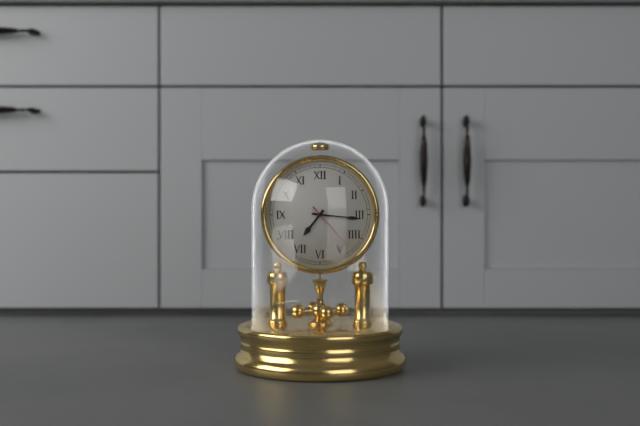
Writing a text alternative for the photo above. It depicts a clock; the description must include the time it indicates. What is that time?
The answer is 7:16:23
